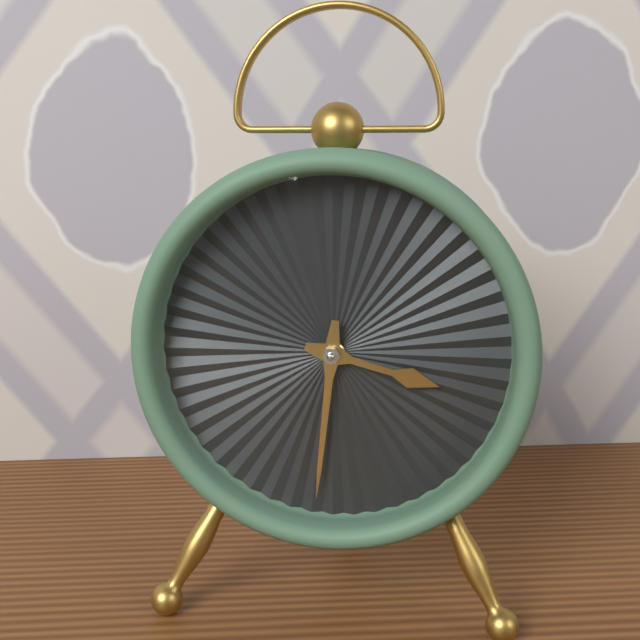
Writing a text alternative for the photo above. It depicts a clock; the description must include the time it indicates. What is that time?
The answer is 3:31
